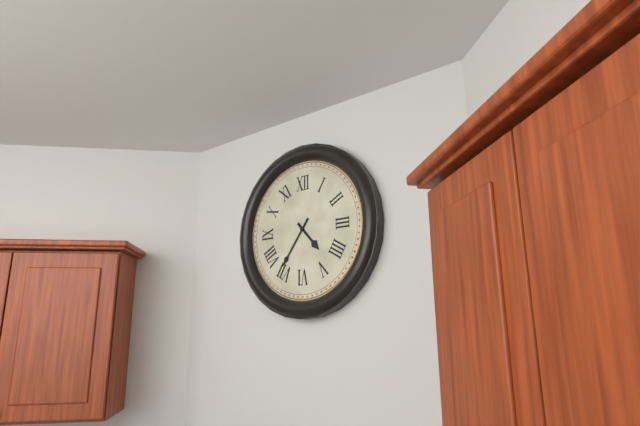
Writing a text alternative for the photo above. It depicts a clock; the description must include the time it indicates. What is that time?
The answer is 4:36
